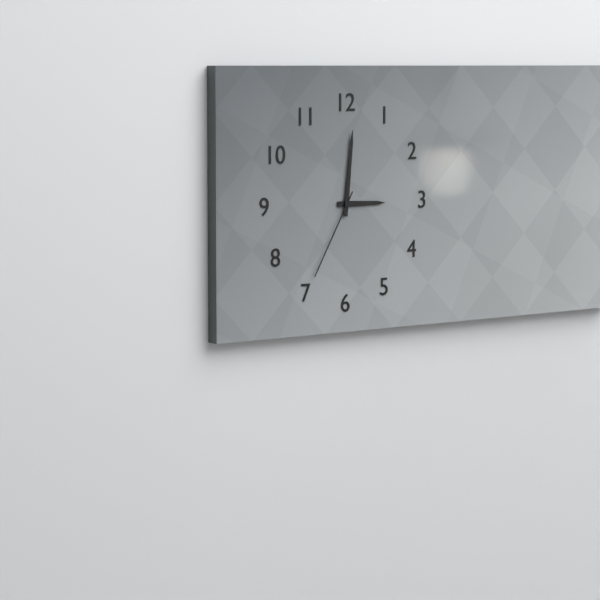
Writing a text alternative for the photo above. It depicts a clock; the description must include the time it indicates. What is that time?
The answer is 3:01:35
